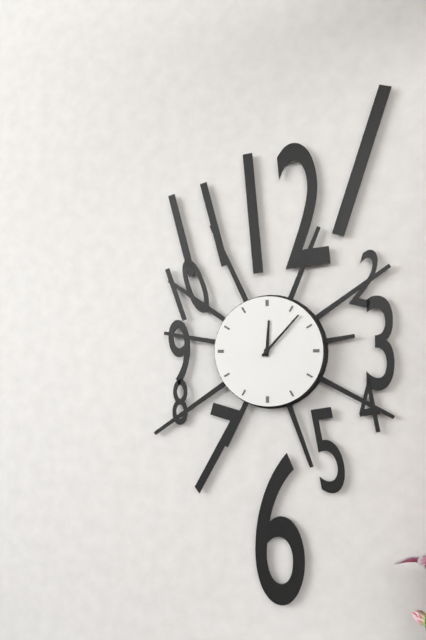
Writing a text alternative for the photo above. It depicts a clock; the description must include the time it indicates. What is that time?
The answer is 12:07
